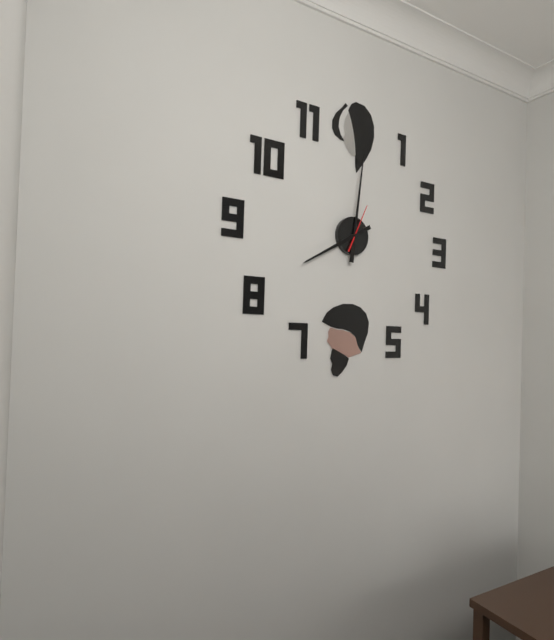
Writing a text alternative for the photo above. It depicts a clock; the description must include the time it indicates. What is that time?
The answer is 8:01
